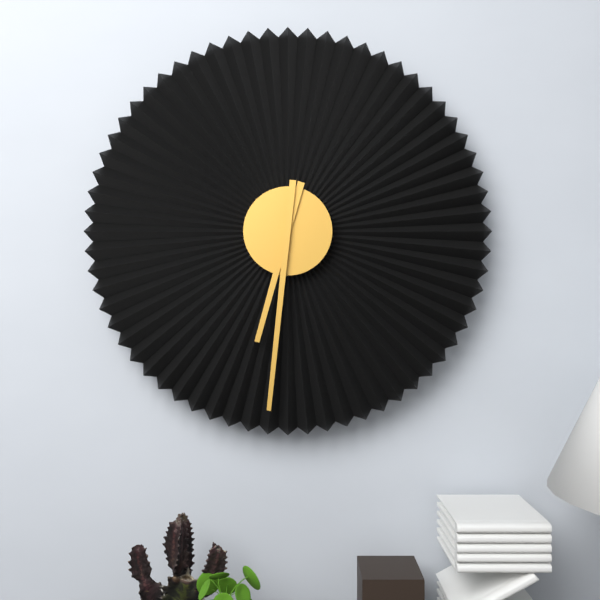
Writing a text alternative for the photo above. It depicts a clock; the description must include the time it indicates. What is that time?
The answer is 6:31
